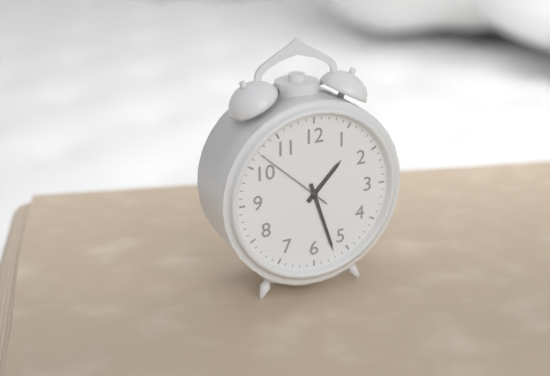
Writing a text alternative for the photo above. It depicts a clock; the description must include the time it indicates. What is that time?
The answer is 1:27:52
